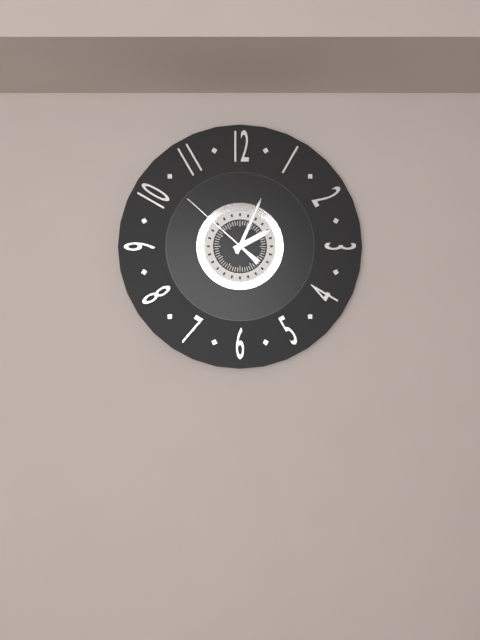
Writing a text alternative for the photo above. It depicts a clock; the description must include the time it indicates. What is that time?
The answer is 2:04:52
